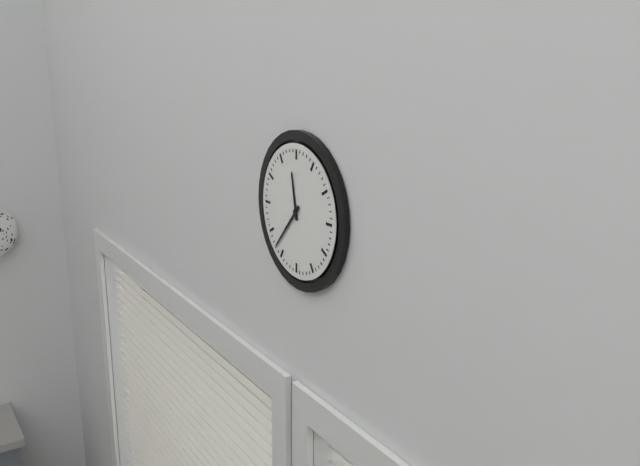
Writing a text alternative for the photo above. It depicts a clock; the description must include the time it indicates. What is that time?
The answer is 11:37
